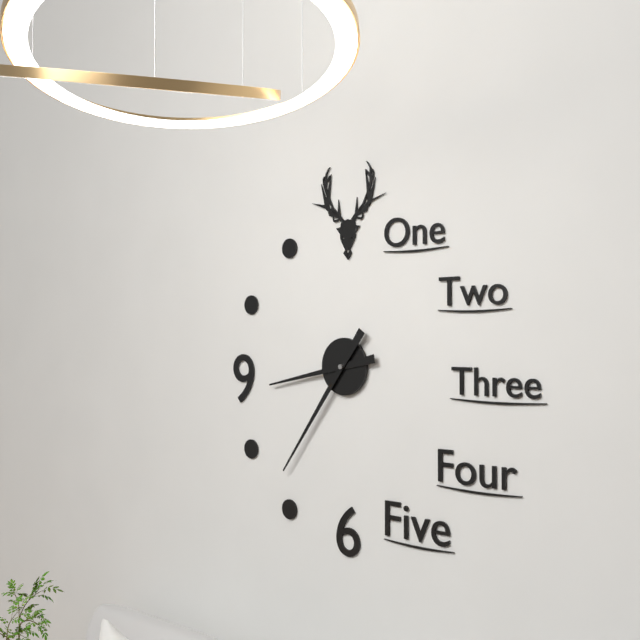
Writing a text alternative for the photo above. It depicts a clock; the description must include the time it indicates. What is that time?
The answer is 8:36
